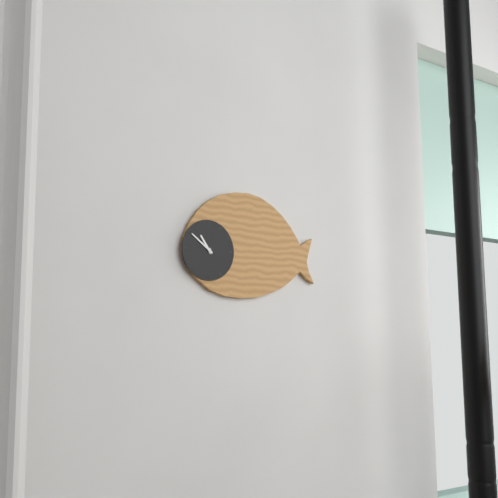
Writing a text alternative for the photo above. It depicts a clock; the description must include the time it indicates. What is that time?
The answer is 10:51
